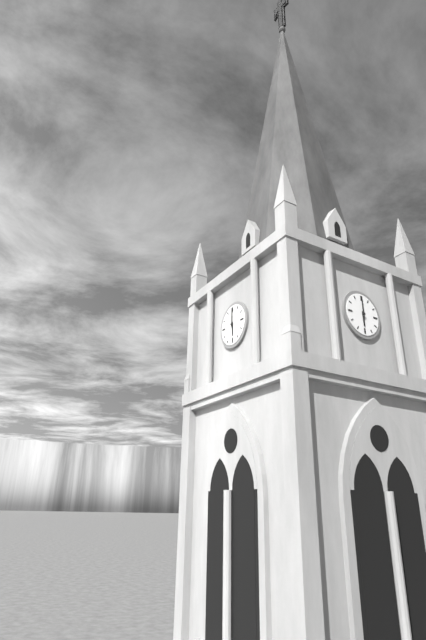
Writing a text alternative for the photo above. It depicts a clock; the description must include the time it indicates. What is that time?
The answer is 6:00
